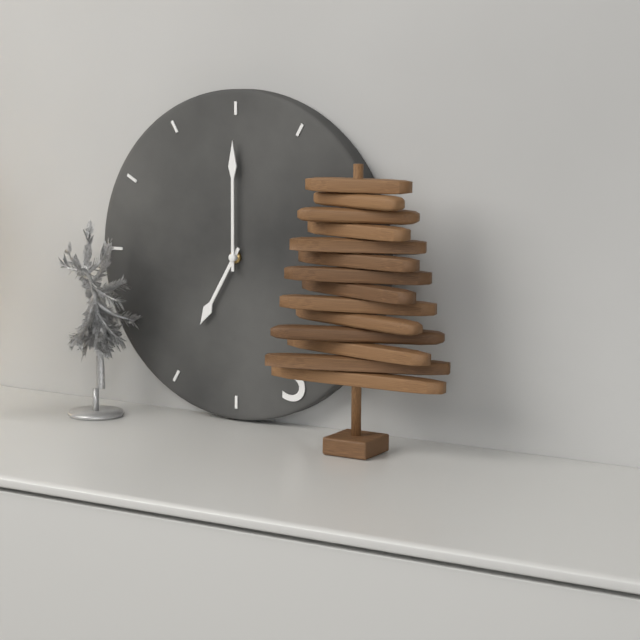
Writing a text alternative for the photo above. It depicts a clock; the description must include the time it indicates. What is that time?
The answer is 7:00
